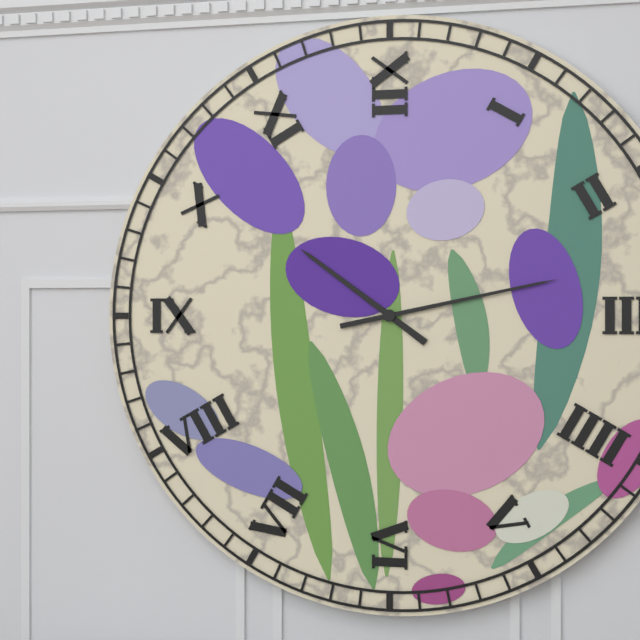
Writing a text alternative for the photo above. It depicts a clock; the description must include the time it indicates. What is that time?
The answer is 10:13
